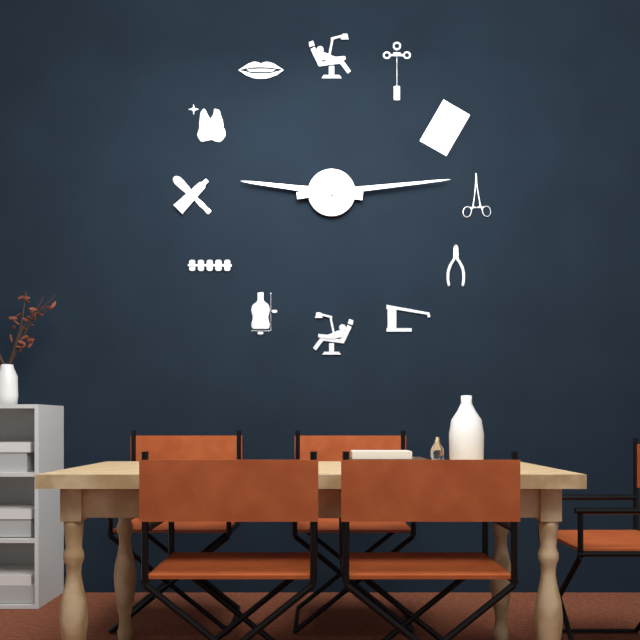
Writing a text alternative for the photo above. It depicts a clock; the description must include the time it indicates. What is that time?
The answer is 9:14
